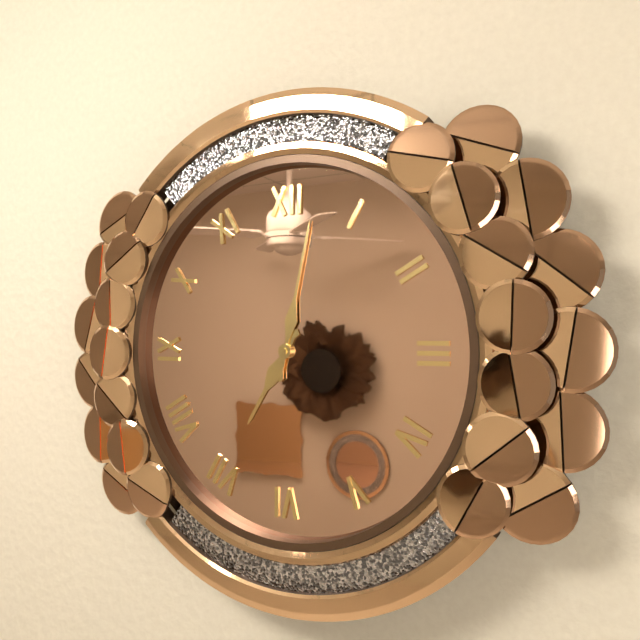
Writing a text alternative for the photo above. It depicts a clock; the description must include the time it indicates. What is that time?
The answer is 7:02
